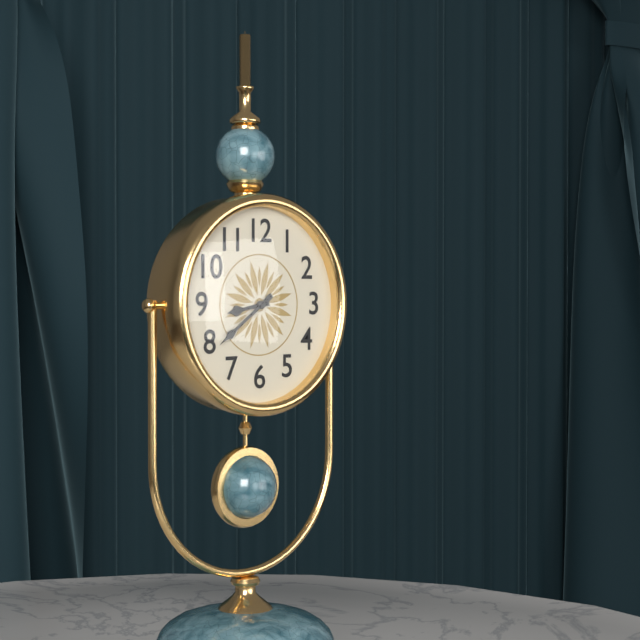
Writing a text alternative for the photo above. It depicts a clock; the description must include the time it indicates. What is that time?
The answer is 8:39
